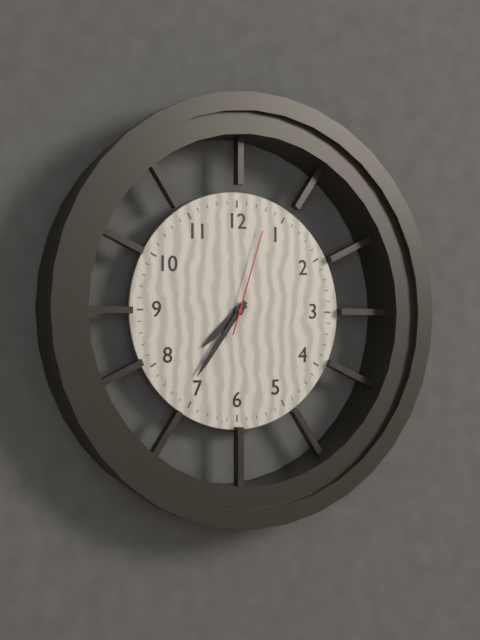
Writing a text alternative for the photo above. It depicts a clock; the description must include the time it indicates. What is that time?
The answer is 7:36:03
